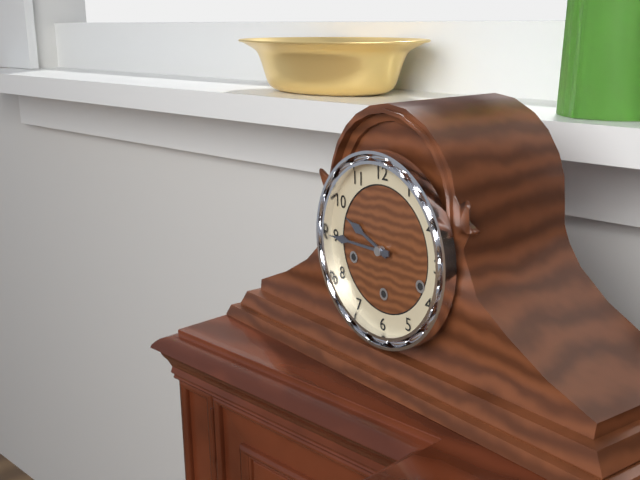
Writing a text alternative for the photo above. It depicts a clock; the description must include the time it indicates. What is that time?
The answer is 9:45
